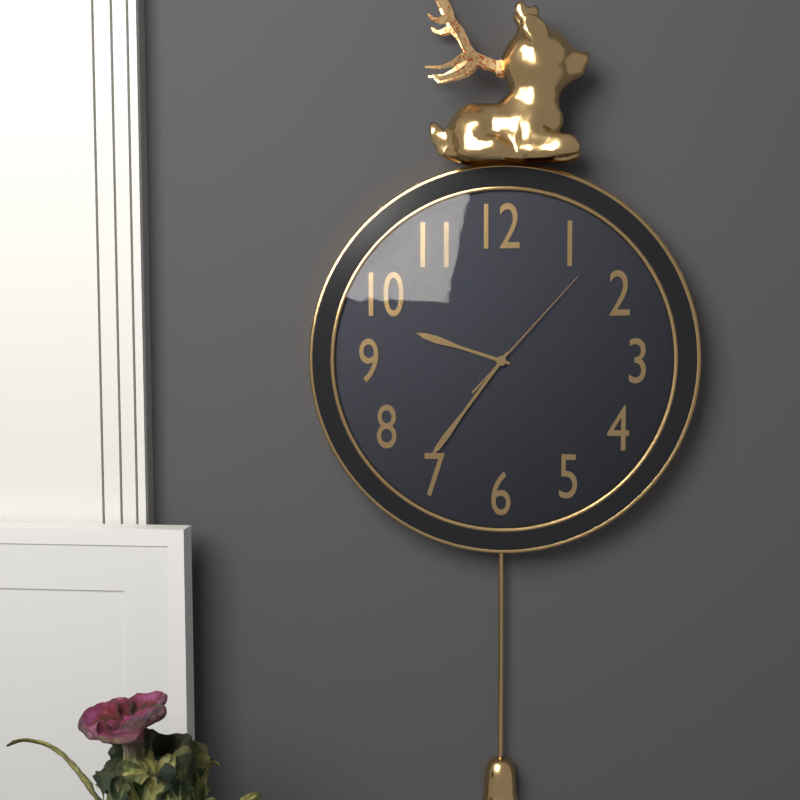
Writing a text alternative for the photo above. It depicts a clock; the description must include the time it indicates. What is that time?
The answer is 9:36:07
